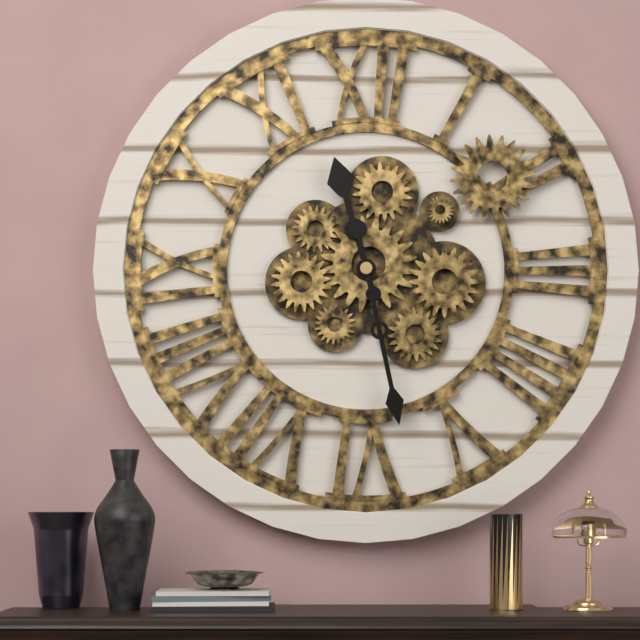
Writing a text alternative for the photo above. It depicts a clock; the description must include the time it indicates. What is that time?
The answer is 11:28
